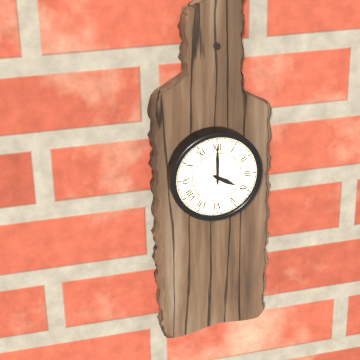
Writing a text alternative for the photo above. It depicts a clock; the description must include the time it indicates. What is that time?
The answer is 4:00
